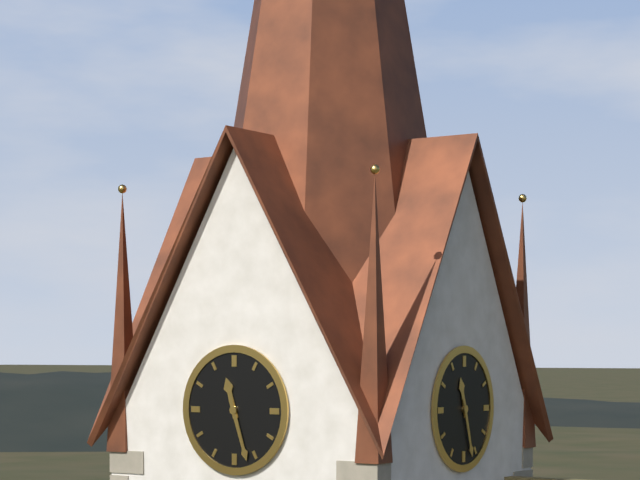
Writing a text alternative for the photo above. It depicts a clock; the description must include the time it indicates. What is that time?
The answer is 11:27
